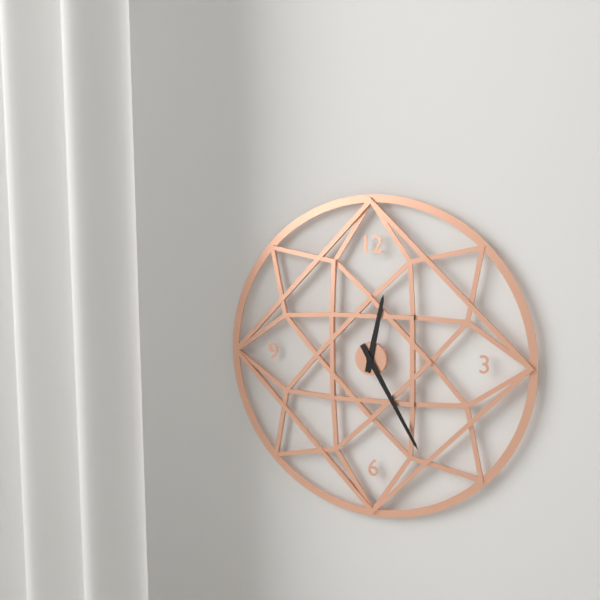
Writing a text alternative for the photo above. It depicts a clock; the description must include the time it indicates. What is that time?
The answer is 12:25
